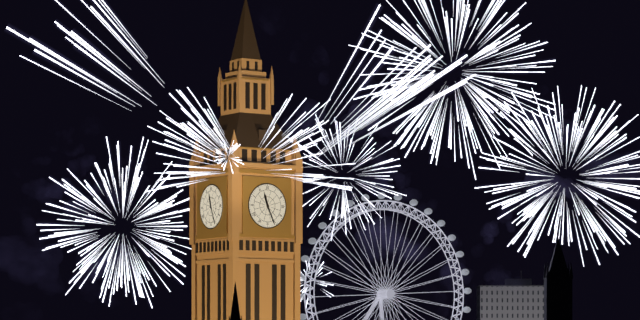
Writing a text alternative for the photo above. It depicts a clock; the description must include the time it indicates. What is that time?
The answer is 11:26
